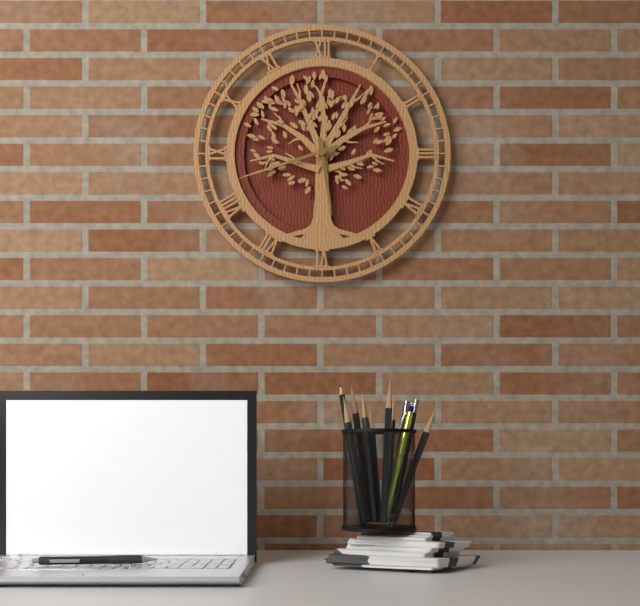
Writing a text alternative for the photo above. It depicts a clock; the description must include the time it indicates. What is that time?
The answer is 5:42
